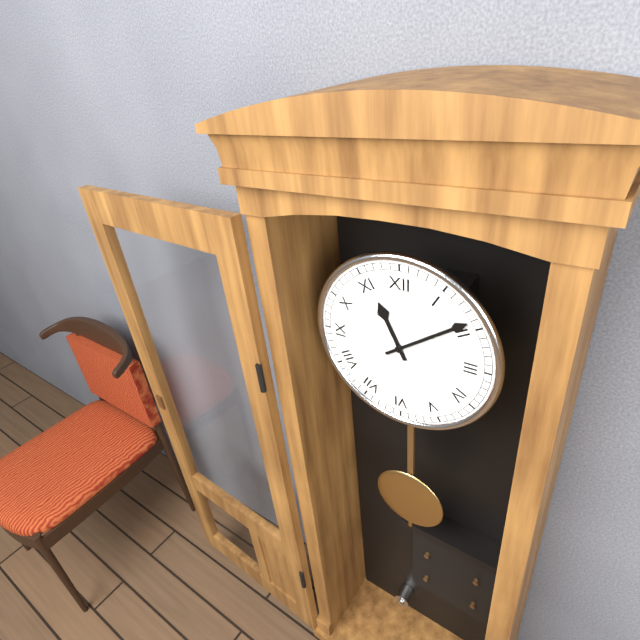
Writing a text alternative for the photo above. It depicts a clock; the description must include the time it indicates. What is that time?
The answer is 11:09
